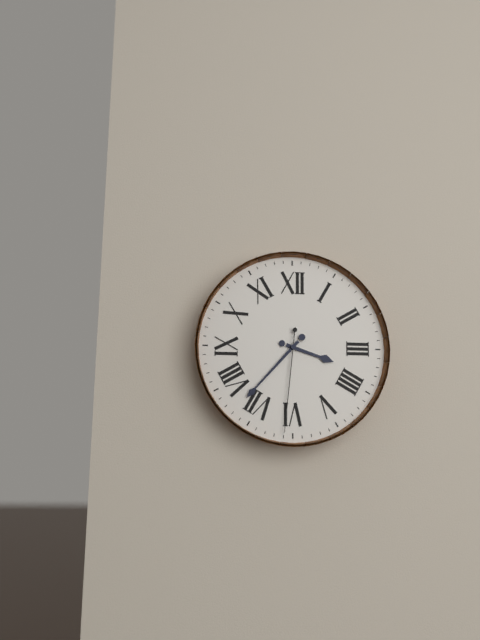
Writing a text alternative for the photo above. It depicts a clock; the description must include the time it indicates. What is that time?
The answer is 3:37:31
